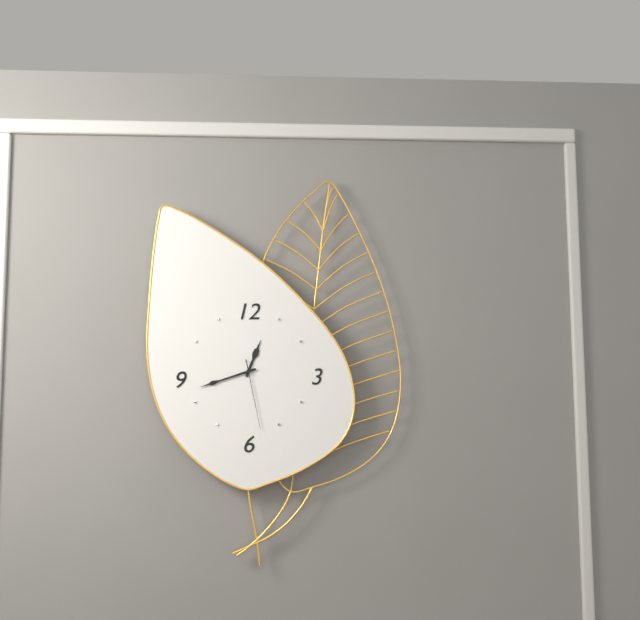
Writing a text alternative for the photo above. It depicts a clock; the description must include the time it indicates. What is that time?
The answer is 12:42:28
